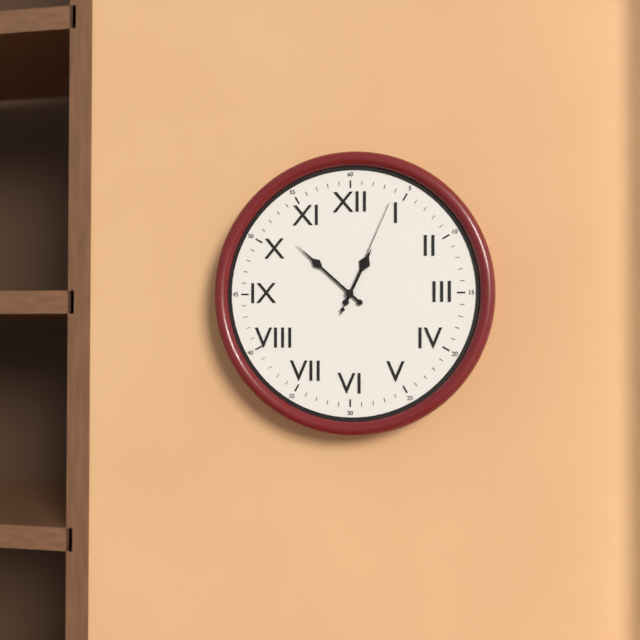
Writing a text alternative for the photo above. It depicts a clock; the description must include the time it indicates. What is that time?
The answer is 12:52:04
